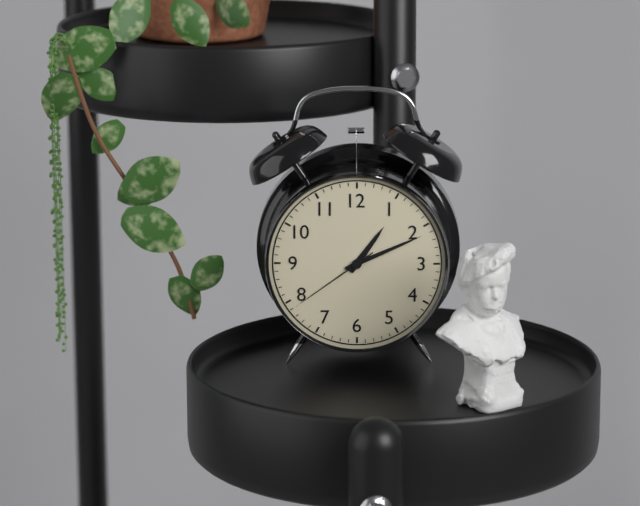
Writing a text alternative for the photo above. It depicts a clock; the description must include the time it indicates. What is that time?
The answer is 1:11:39
